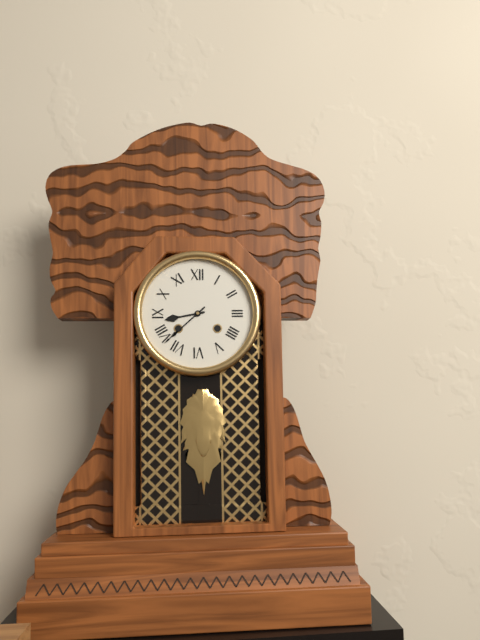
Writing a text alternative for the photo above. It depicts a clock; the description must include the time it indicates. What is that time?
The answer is 8:38
